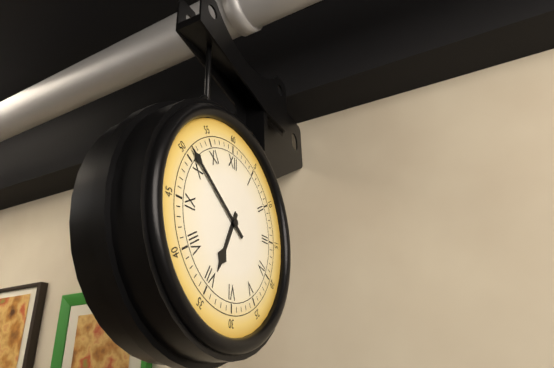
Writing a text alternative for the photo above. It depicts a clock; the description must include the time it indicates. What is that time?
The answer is 6:51
